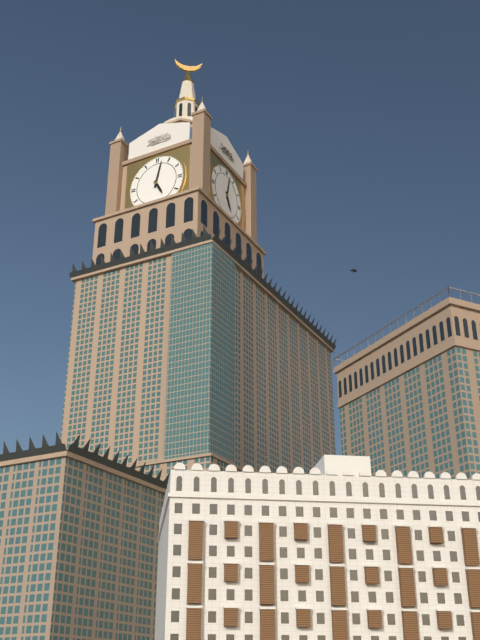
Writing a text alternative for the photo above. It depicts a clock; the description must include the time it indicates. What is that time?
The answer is 5:02
